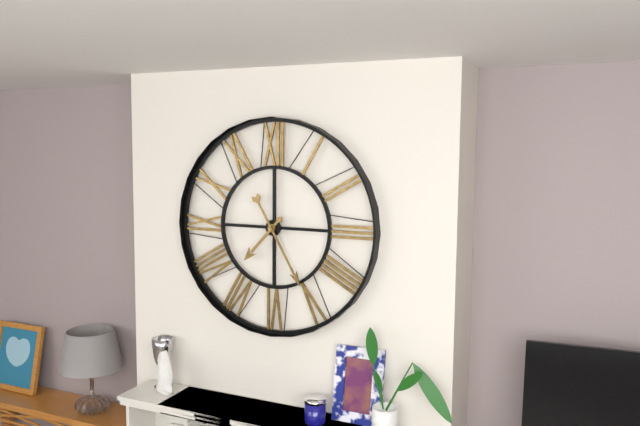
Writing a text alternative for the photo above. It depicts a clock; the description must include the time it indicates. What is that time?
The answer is 7:25
